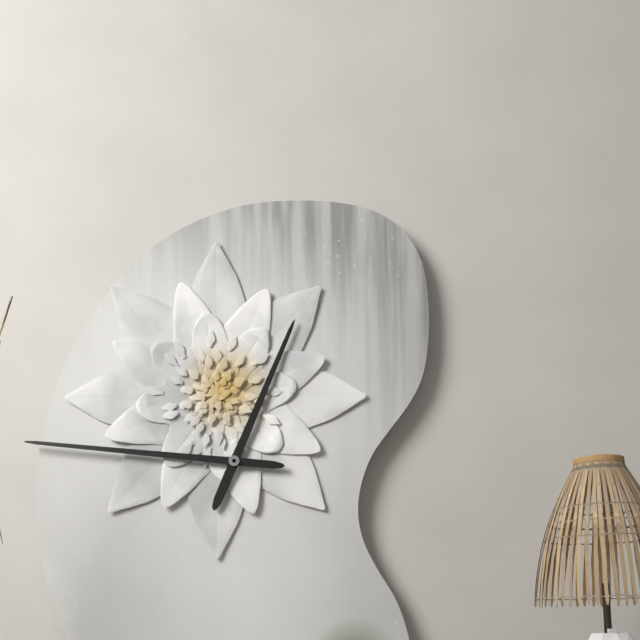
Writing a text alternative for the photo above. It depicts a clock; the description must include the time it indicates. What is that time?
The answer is 12:46
